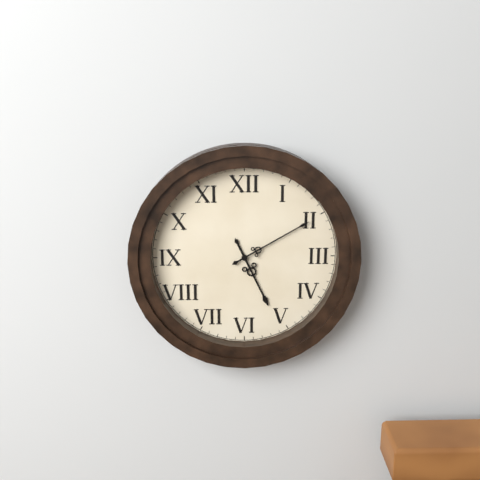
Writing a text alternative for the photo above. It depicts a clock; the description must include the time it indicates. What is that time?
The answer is 5:10
